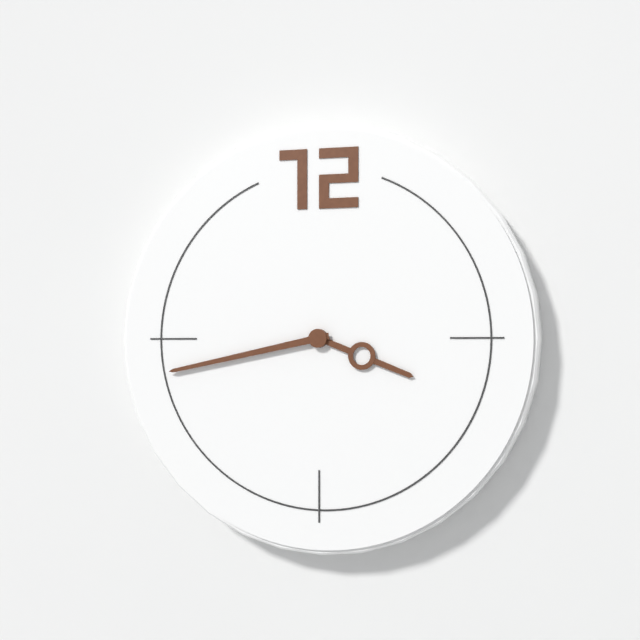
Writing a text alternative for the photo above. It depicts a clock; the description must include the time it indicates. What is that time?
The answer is 3:43
